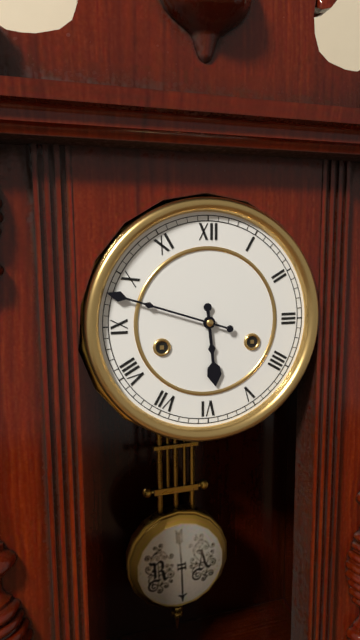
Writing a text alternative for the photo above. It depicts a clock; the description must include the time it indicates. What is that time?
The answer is 5:48
